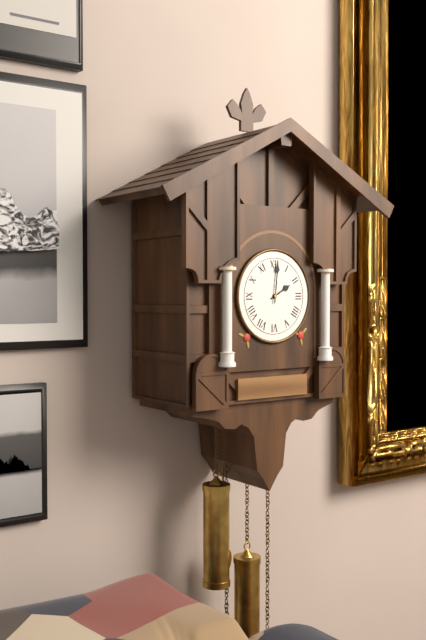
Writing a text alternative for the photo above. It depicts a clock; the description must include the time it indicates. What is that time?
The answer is 2:01
